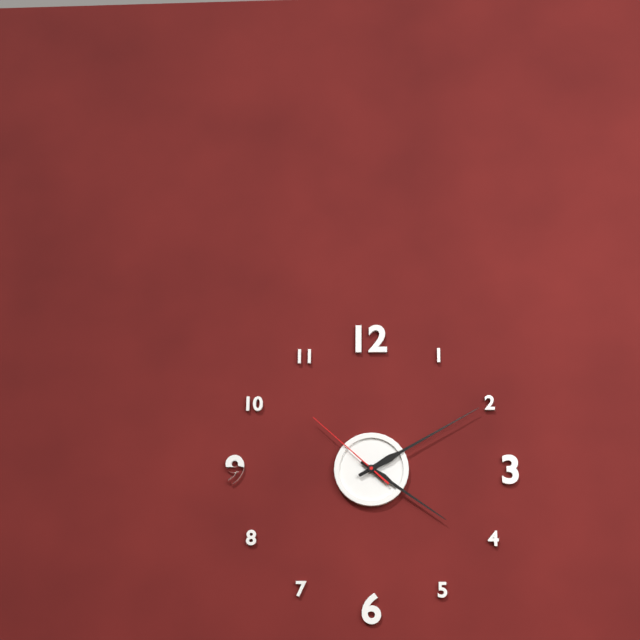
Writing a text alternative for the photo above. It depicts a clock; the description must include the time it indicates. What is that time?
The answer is 4:10:52
